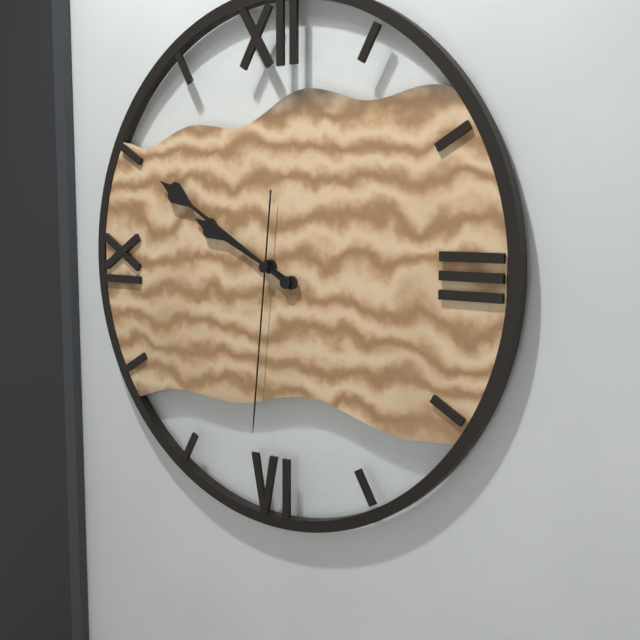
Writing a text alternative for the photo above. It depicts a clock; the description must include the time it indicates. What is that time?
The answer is 9:50:31
